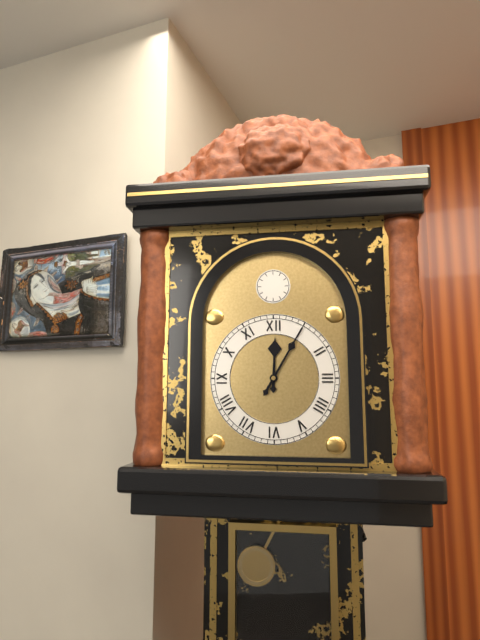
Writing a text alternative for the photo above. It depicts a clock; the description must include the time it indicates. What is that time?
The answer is 12:05
